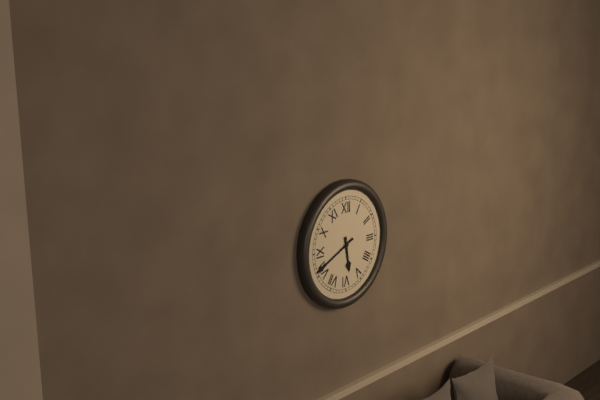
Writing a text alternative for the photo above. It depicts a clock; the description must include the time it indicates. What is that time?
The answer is 5:41
